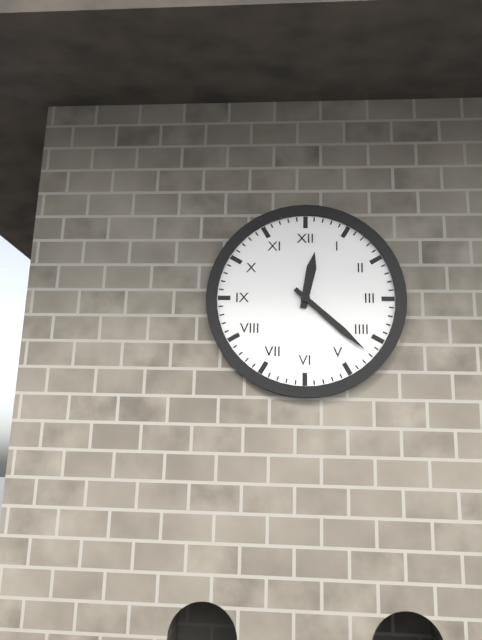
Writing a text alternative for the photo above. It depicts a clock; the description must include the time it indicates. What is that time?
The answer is 12:22
